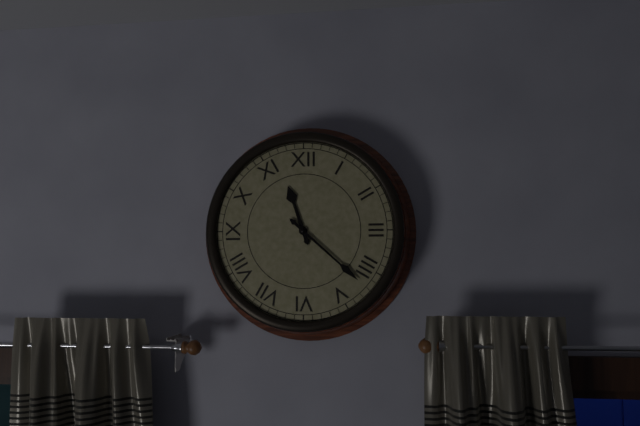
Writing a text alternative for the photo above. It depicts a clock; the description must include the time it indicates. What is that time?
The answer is 11:22
